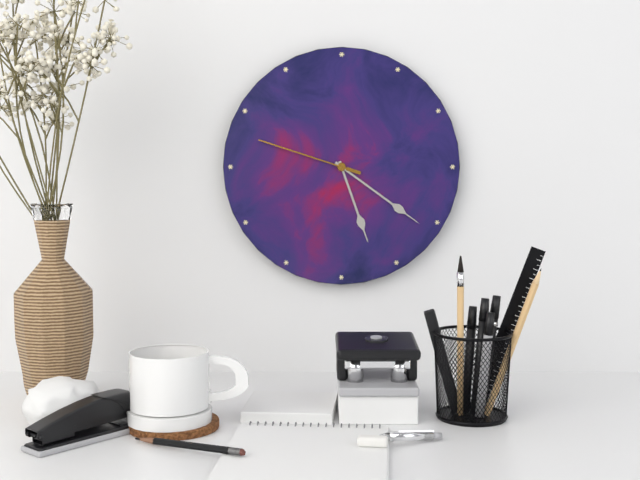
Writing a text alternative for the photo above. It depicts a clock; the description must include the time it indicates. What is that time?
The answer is 5:21:48
